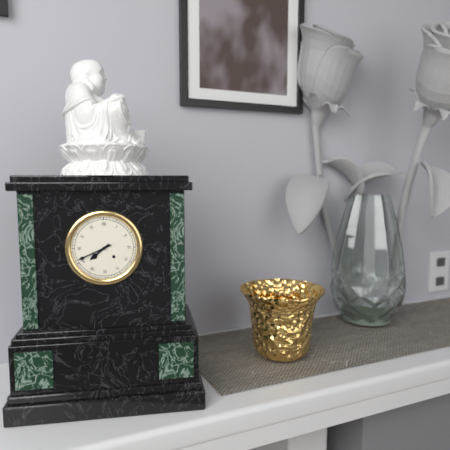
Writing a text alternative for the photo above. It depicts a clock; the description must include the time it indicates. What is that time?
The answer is 7:41
